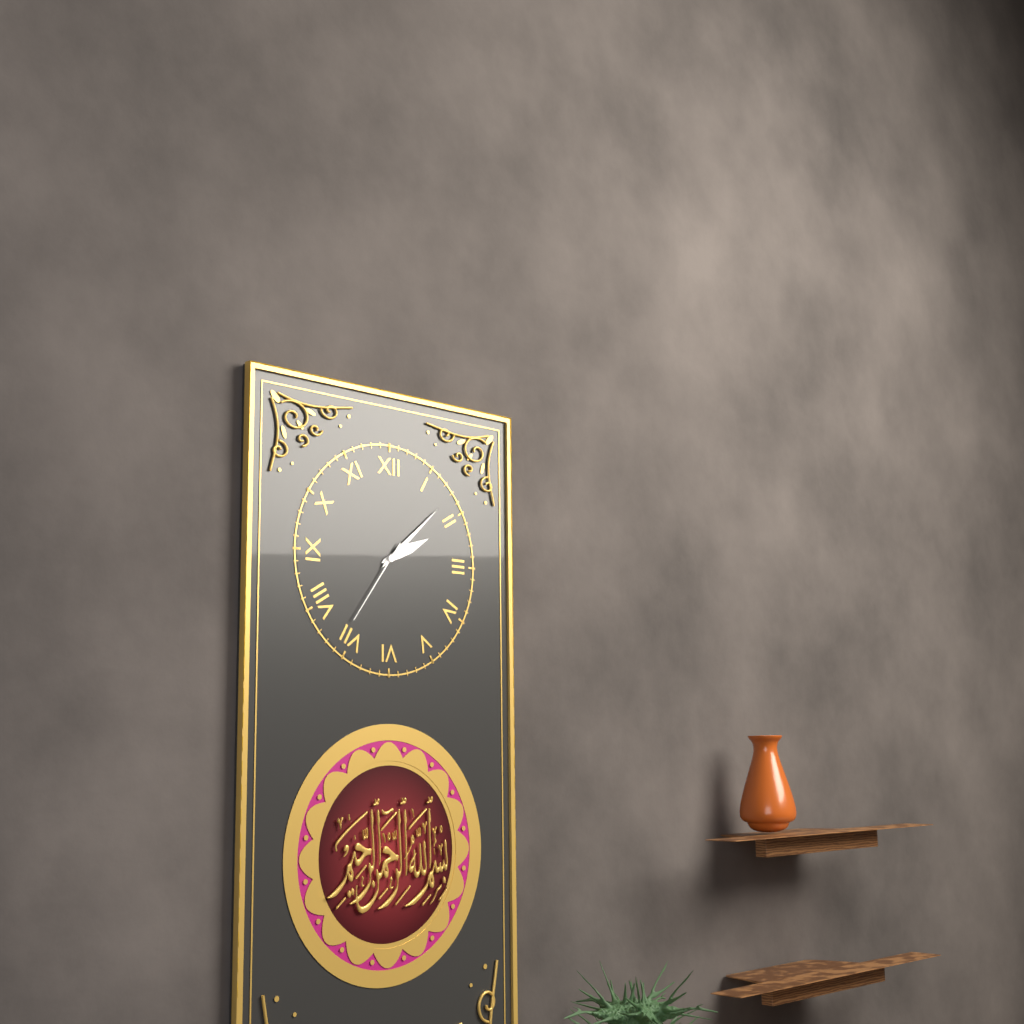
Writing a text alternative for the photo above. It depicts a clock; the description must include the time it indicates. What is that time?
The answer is 2:08:36
